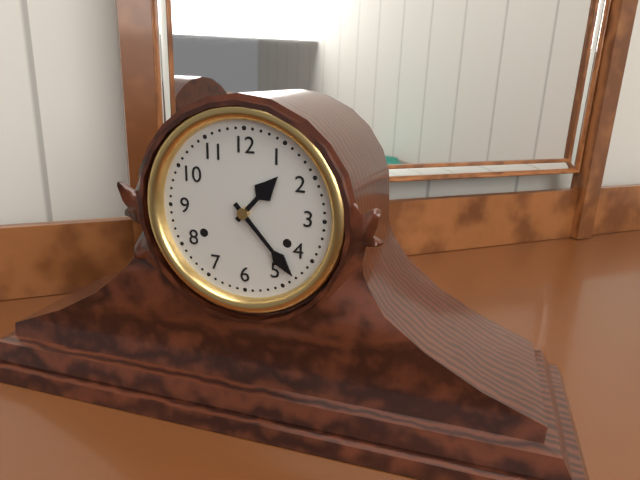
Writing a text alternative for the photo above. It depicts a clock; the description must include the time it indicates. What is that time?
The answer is 1:23
